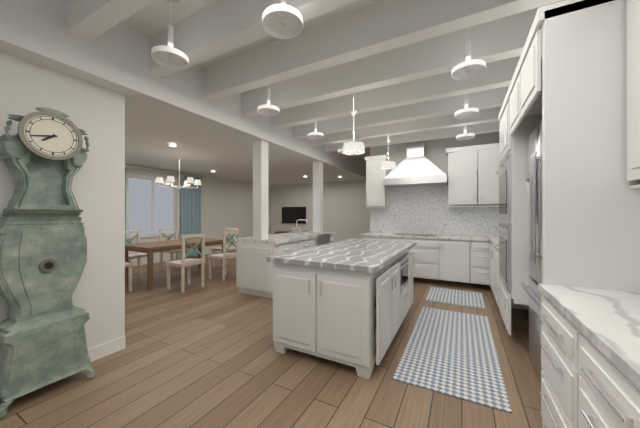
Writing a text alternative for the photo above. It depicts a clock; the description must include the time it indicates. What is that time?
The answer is 7:43
